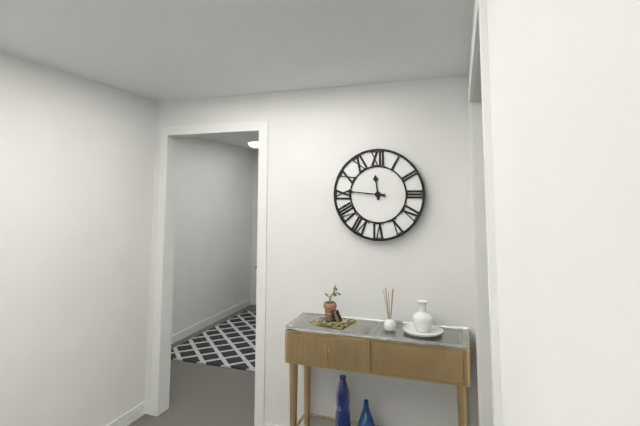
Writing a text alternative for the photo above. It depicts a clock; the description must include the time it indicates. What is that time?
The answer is 11:46
